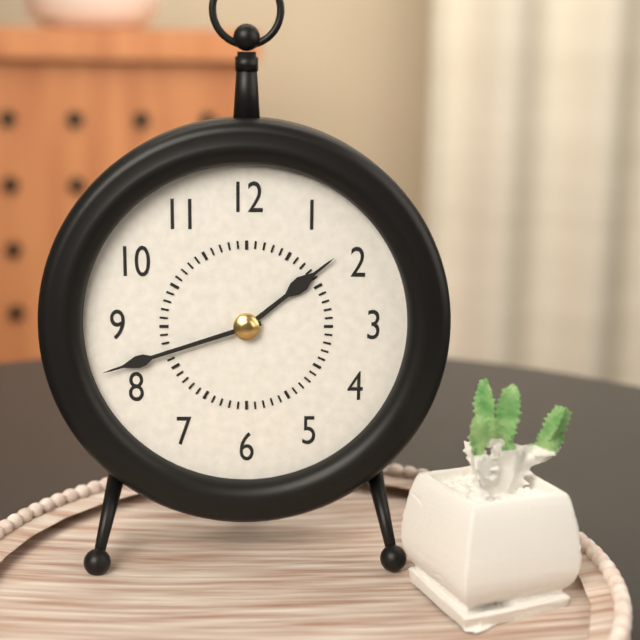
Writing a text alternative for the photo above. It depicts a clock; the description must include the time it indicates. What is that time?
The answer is 1:42
